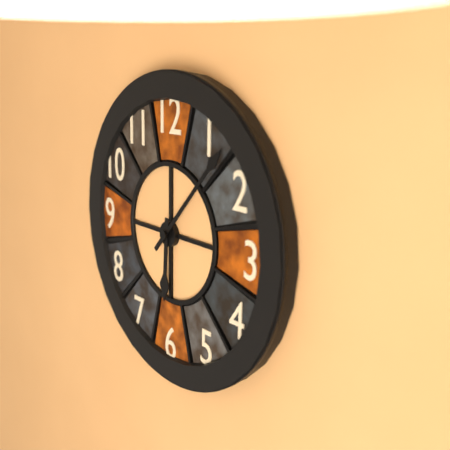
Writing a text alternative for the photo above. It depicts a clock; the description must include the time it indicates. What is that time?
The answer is 6:07
